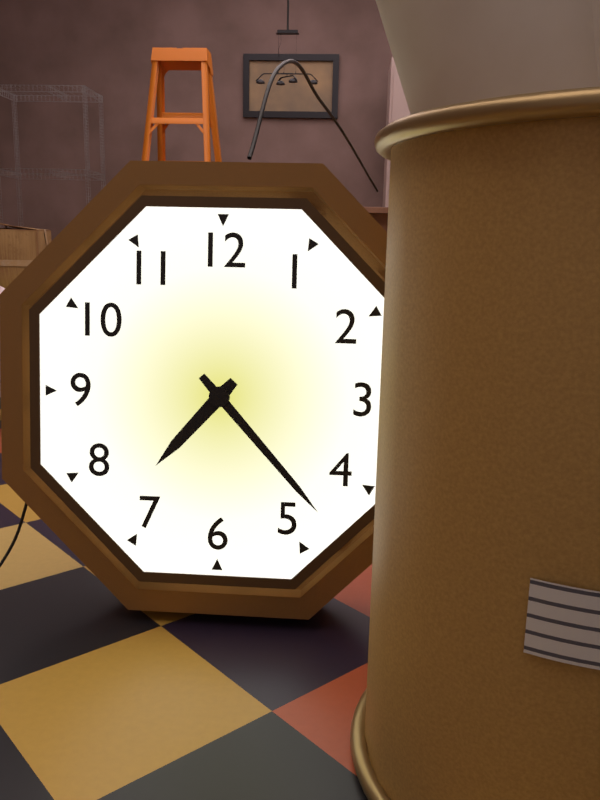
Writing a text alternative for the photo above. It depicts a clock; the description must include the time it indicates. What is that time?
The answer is 7:23
